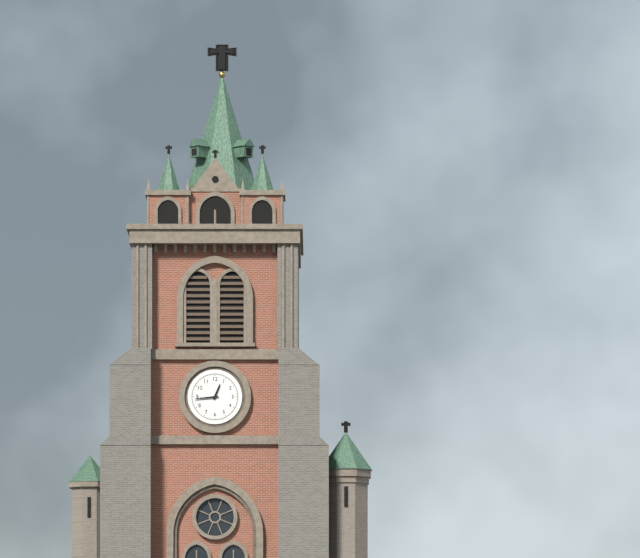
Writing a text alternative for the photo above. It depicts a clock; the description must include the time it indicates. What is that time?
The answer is 12:44
